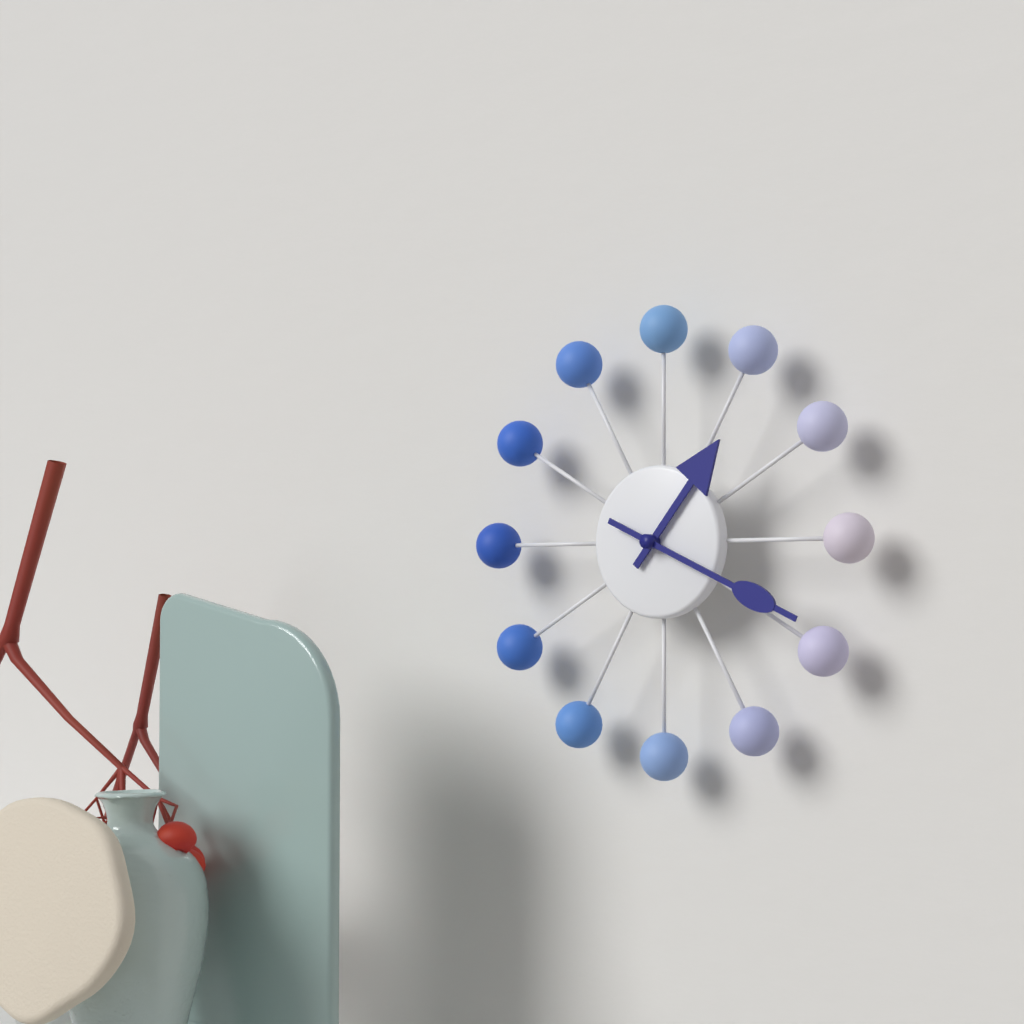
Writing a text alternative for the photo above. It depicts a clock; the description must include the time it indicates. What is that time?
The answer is 1:19
